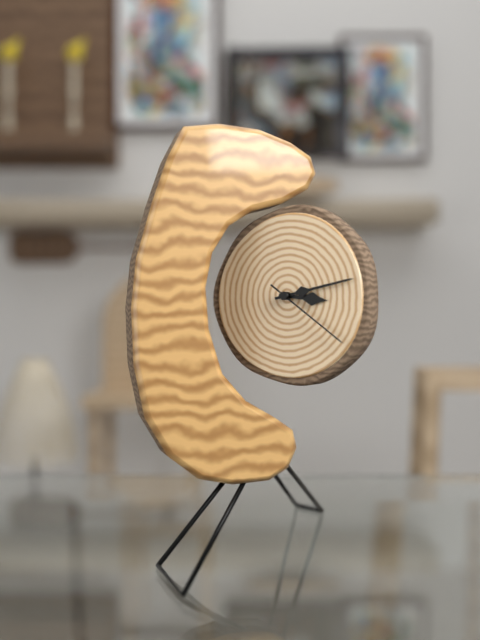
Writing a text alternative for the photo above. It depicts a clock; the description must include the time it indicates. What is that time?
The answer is 3:13:21
